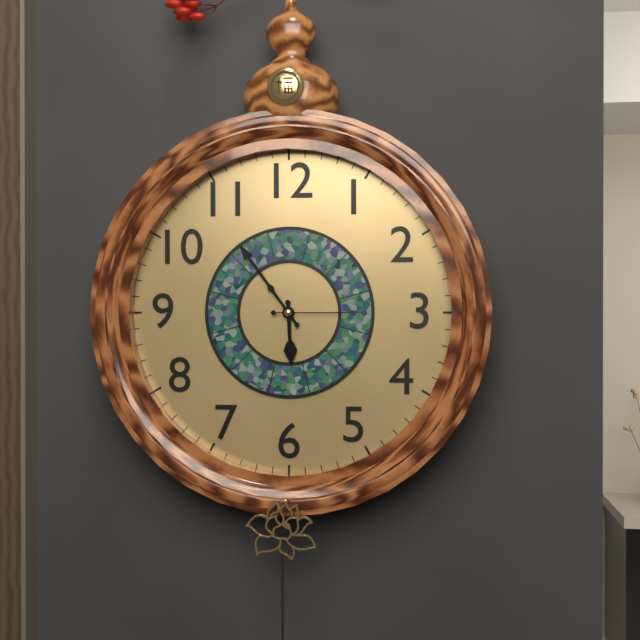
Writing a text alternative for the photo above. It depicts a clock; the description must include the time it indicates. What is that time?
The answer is 5:54:15
